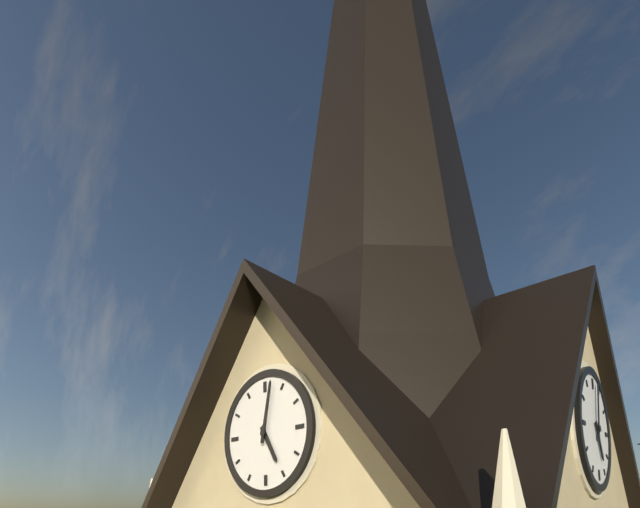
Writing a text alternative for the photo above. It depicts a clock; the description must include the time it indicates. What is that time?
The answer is 5:02
